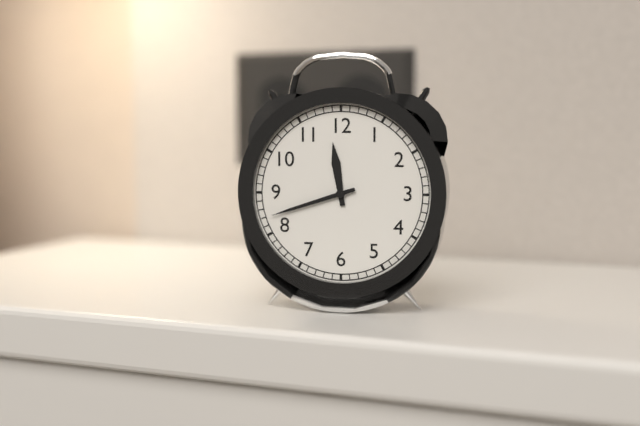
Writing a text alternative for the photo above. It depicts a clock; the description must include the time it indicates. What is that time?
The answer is 11:42
